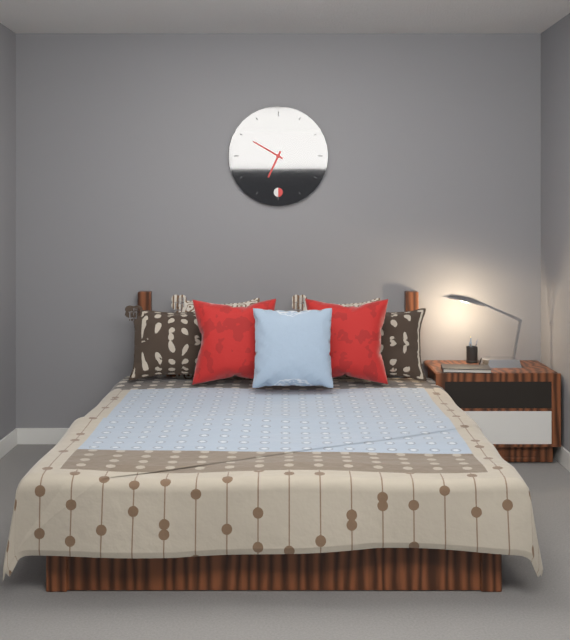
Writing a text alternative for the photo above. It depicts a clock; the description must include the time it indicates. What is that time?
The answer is 6:50
